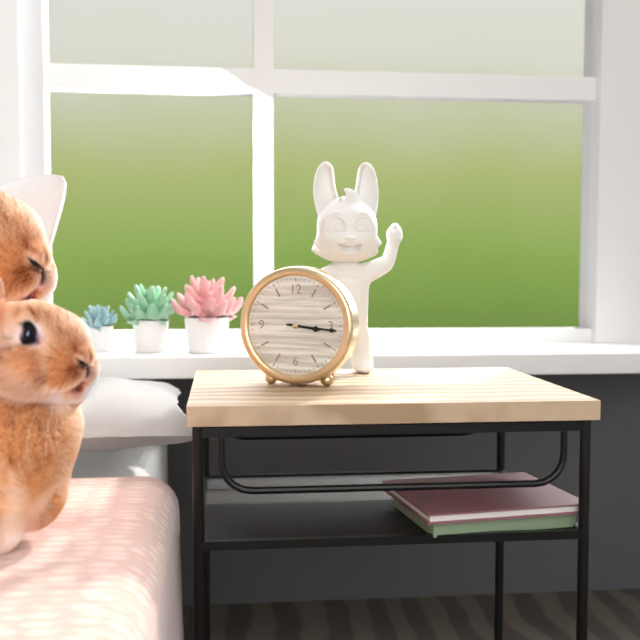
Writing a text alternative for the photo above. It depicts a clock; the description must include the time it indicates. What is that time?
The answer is 3:16
